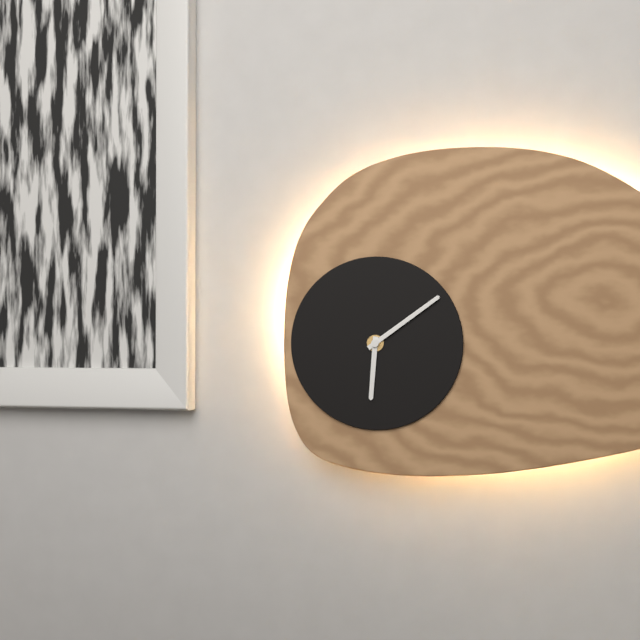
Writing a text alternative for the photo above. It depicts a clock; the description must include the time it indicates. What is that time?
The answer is 6:09
